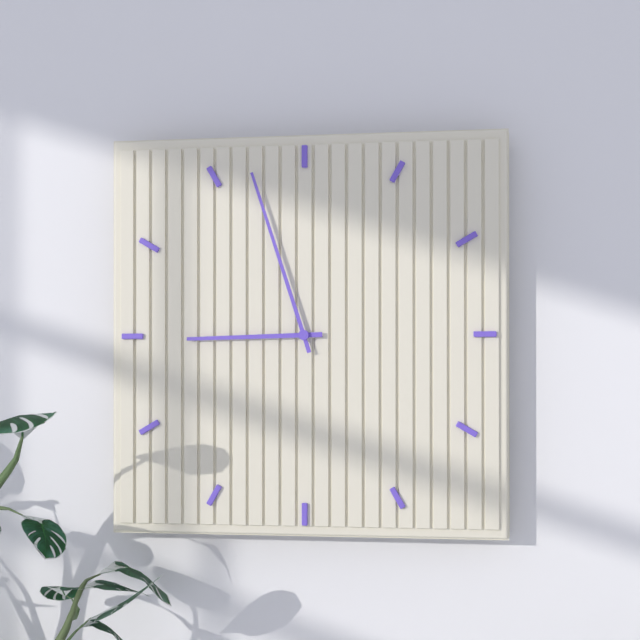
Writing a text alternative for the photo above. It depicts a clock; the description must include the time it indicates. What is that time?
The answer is 8:57
